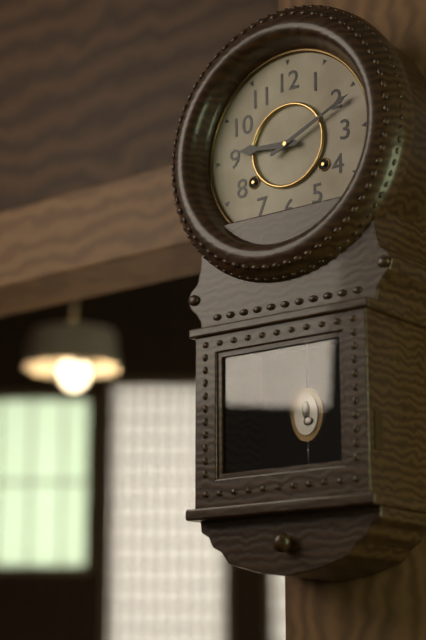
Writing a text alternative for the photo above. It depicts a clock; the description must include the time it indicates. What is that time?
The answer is 9:11
